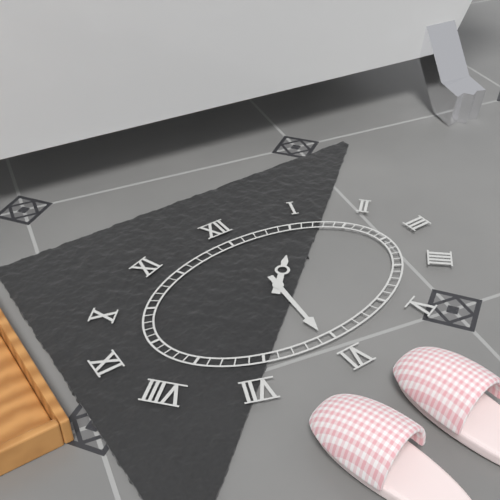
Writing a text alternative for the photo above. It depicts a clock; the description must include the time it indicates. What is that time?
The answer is 1:31
